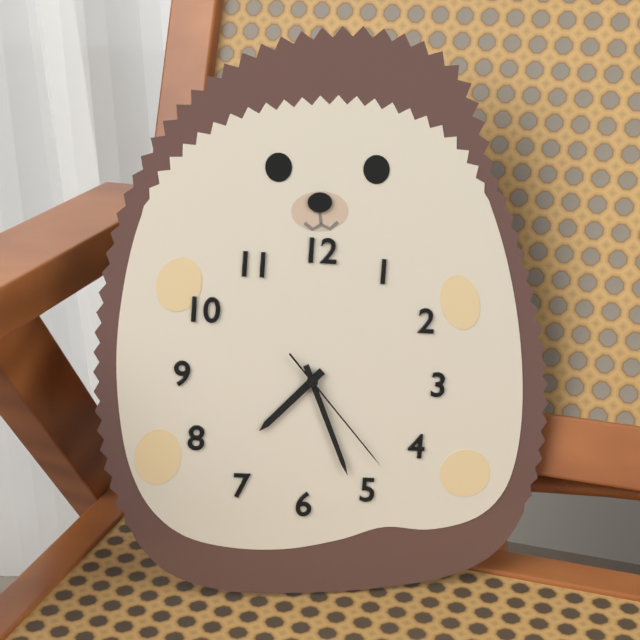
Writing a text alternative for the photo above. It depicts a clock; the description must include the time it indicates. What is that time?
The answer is 7:26:23
